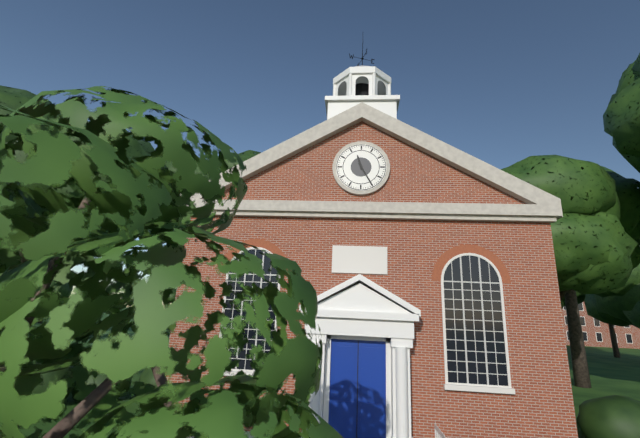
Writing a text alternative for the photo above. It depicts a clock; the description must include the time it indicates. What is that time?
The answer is 11:25
